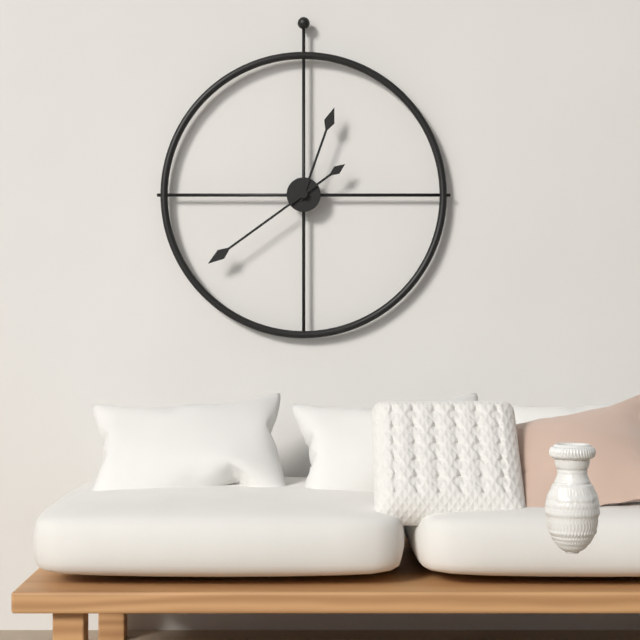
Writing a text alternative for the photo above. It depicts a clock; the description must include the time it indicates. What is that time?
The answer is 12:39
